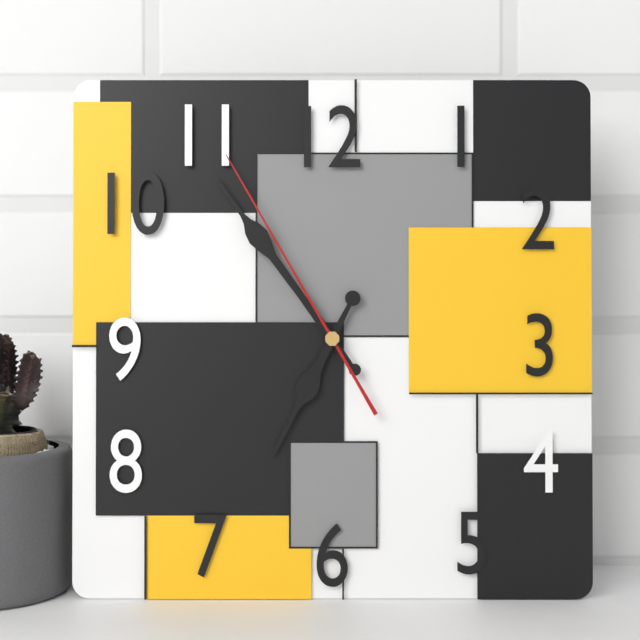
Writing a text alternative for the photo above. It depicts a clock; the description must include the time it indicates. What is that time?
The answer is 6:54:55
